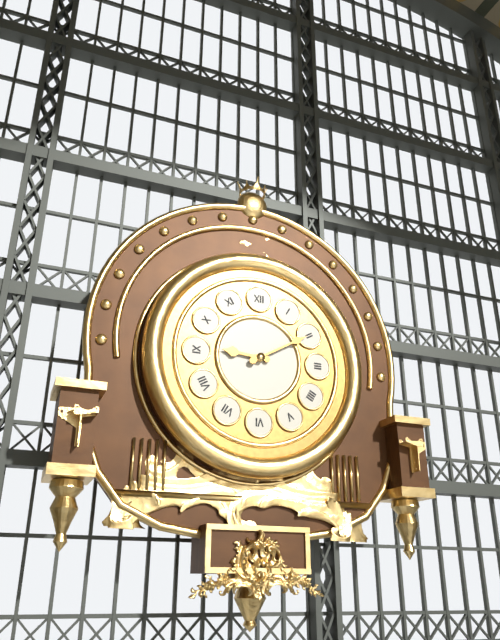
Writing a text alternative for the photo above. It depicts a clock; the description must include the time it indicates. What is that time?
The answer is 9:10
